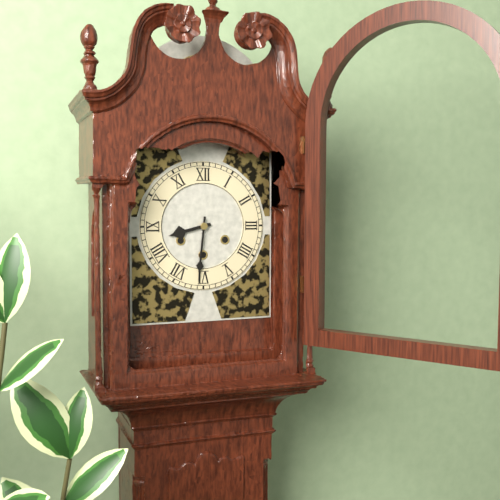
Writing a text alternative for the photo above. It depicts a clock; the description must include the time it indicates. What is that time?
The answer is 8:31
